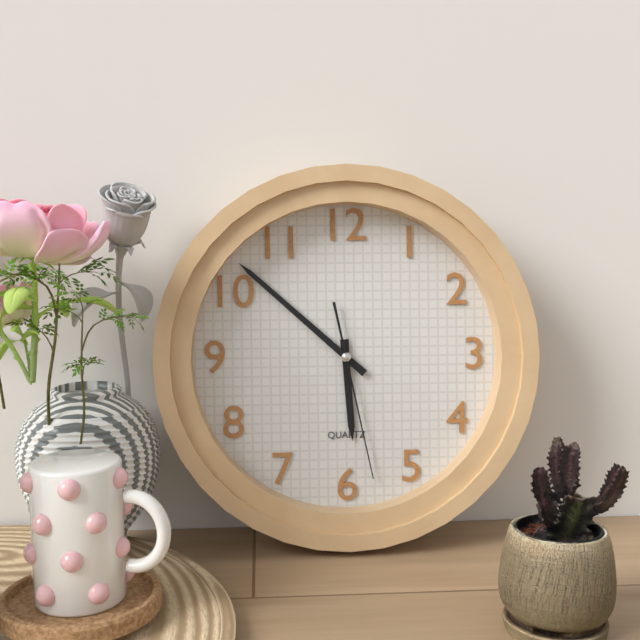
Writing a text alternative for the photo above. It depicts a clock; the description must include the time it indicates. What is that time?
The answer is 5:52:28
